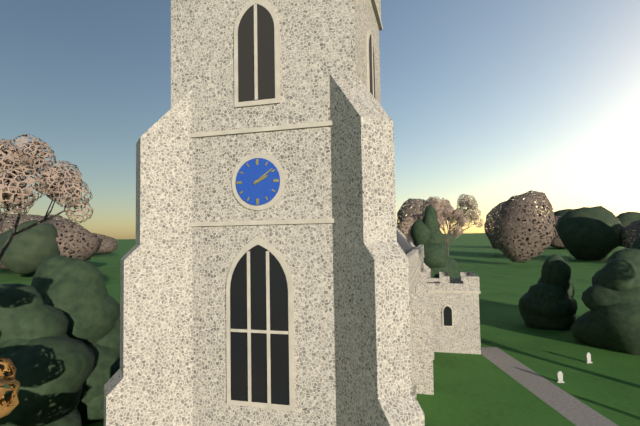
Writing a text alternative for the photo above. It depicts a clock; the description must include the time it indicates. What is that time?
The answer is 2:09
